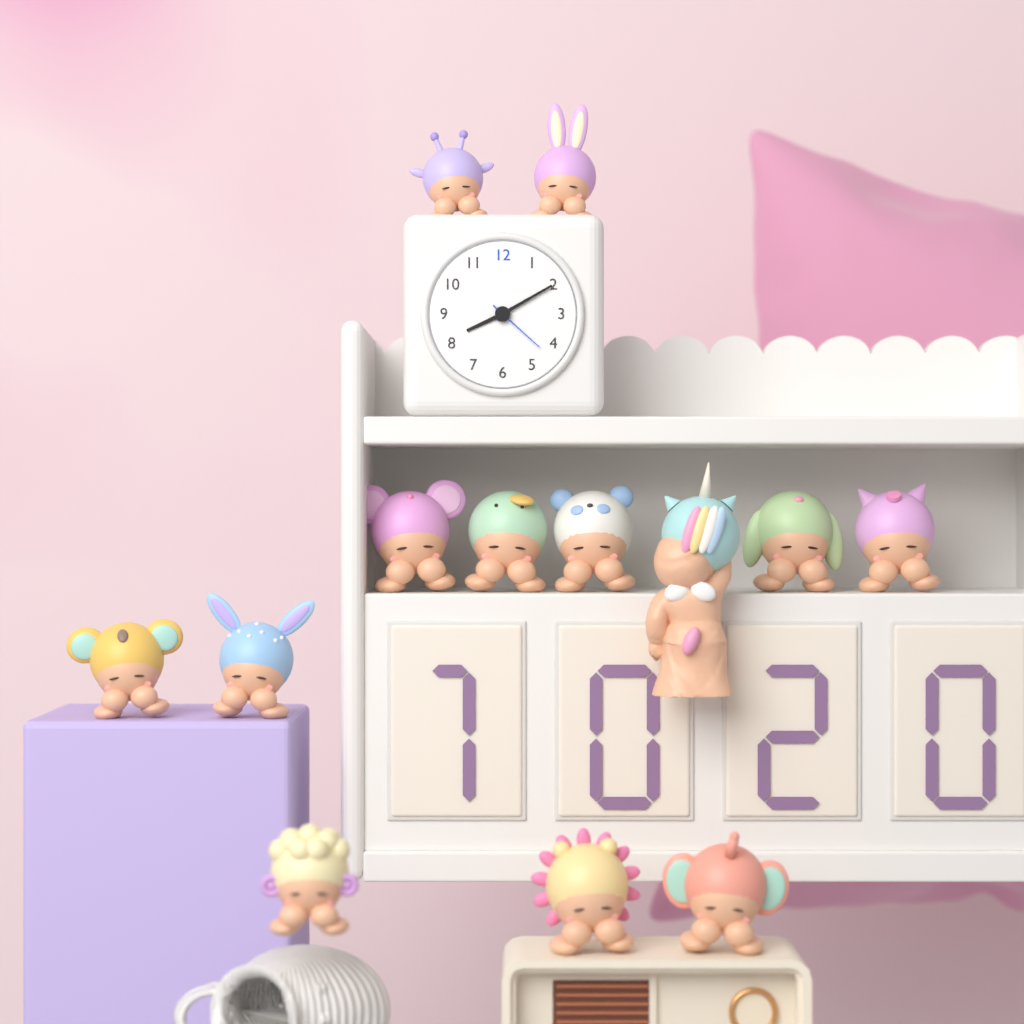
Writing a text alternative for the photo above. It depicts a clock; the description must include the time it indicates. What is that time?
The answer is 8:10:22
